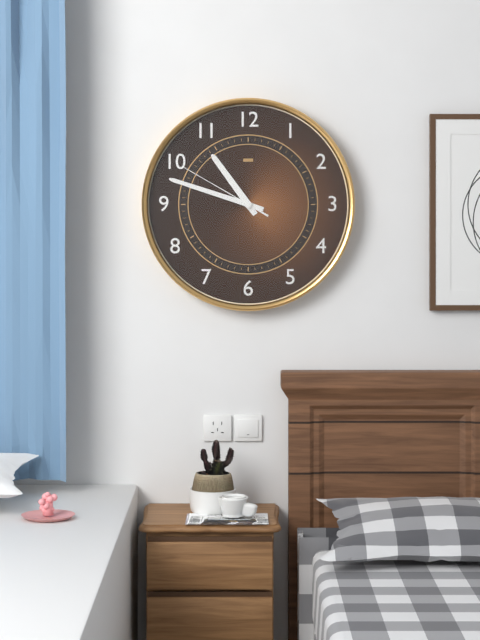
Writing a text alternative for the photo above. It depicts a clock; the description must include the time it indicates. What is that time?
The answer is 10:48:50
